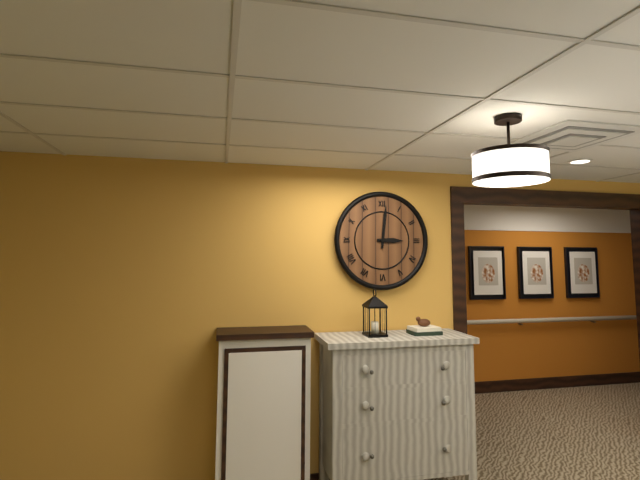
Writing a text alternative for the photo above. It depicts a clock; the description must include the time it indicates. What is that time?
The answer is 3:01
